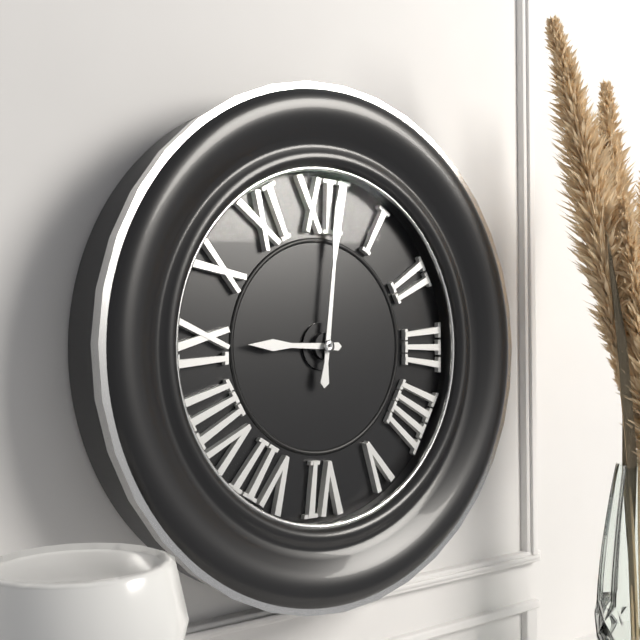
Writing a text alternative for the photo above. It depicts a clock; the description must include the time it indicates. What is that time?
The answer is 9:01
